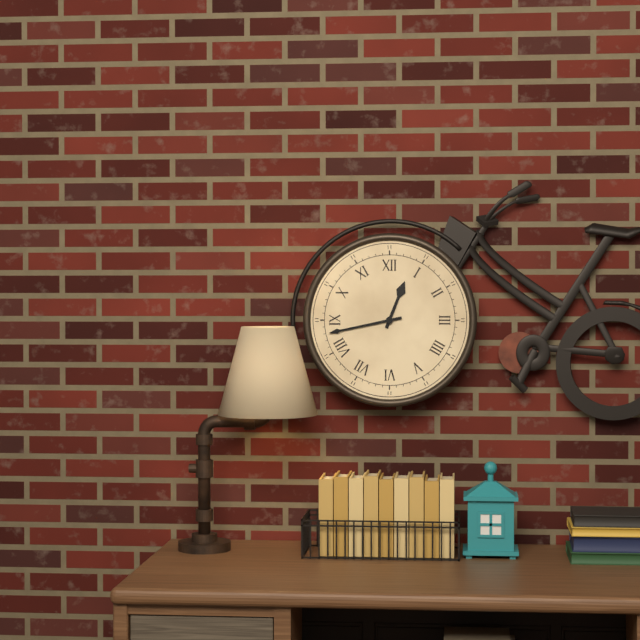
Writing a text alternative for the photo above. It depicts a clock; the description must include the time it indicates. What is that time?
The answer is 12:43
